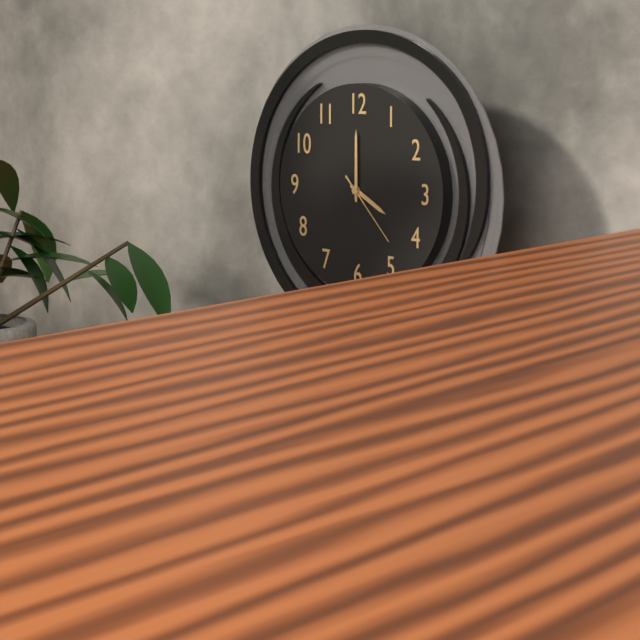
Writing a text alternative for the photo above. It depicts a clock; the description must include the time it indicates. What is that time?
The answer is 4:00:23
